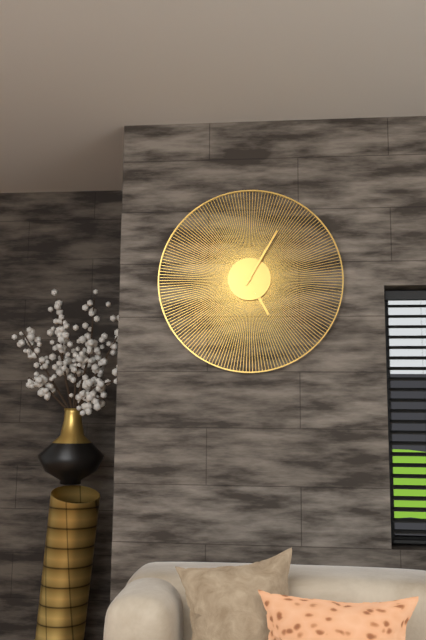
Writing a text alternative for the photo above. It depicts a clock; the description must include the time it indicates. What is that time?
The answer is 5:05
